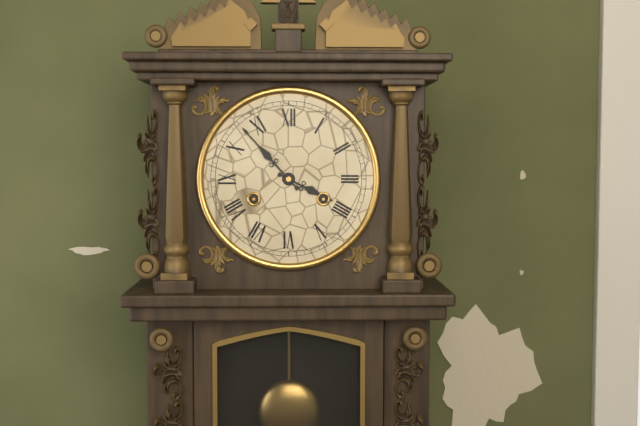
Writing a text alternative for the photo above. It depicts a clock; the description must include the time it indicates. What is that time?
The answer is 3:53
